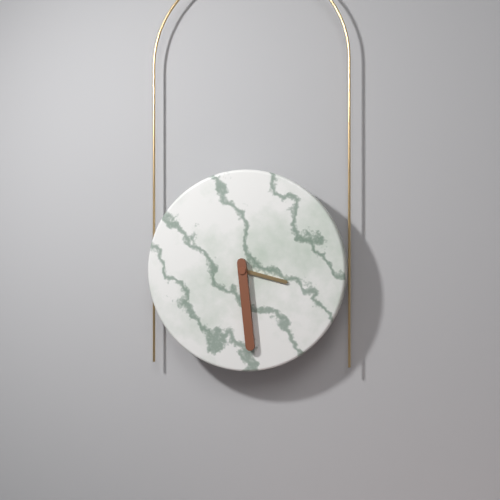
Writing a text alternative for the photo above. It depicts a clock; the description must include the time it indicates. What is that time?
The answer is 3:29
